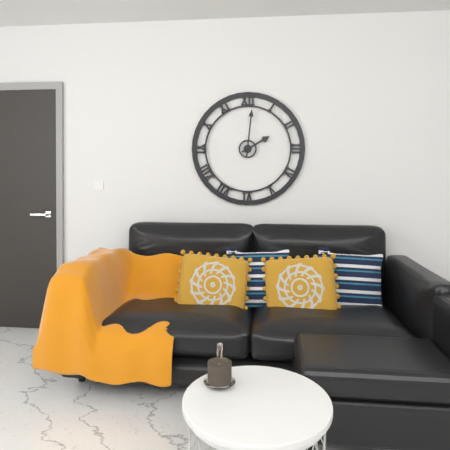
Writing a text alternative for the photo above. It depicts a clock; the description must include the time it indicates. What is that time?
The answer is 2:01
